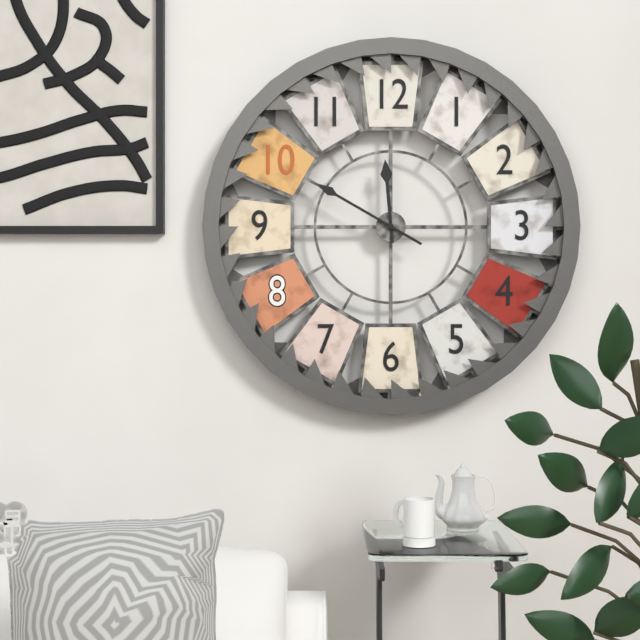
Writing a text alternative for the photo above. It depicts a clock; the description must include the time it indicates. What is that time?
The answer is 11:50
